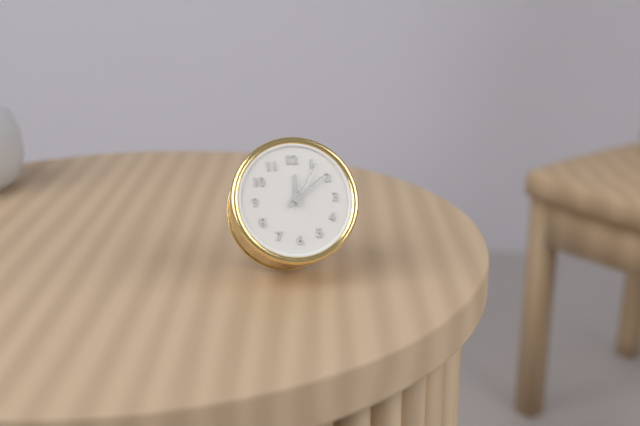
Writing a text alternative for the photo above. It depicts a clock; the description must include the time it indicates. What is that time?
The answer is 12:09:06
